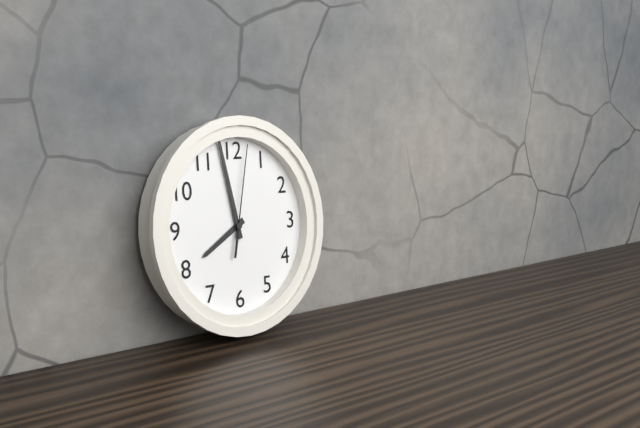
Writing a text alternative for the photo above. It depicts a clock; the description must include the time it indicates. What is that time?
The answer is 7:58:02
